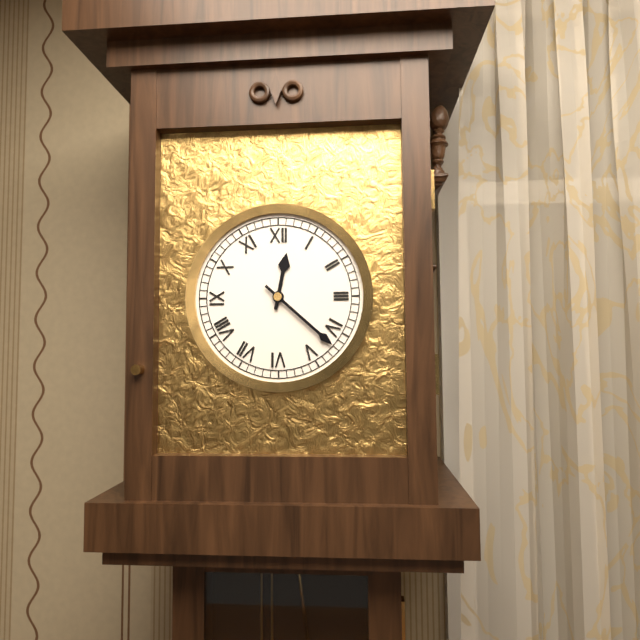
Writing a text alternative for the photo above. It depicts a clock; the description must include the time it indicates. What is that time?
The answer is 12:22
